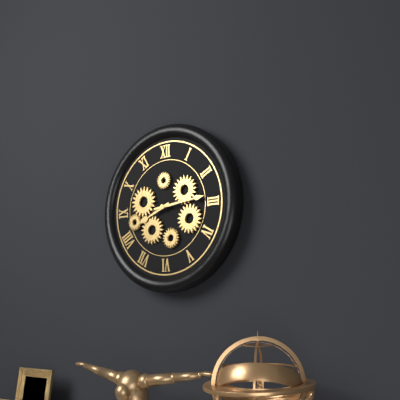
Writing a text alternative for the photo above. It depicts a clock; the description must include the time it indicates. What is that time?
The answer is 8:14
